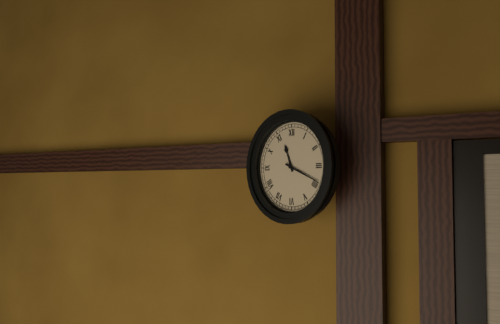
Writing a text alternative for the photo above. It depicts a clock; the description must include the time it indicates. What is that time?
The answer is 11:19
